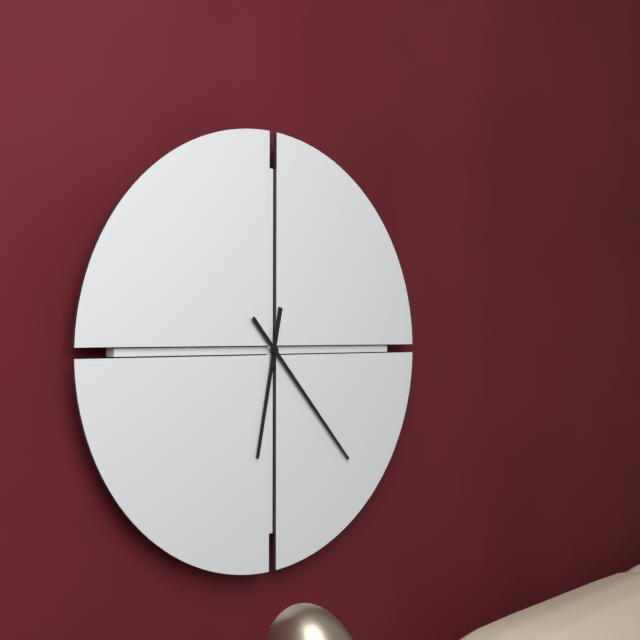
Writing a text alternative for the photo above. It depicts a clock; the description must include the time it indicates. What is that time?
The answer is 6:23
